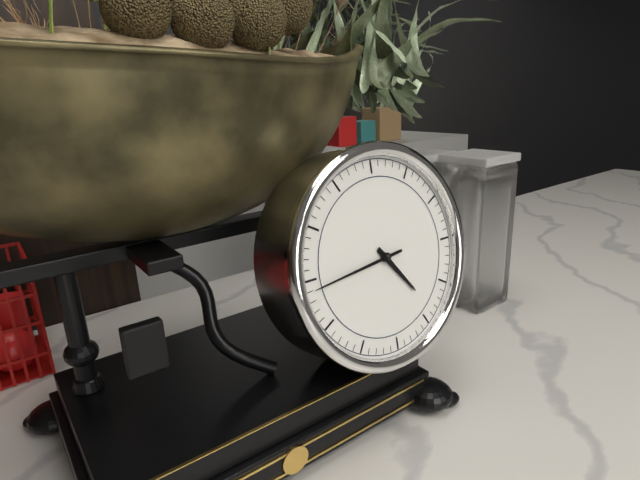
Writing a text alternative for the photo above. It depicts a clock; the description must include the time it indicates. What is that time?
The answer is 4:44
